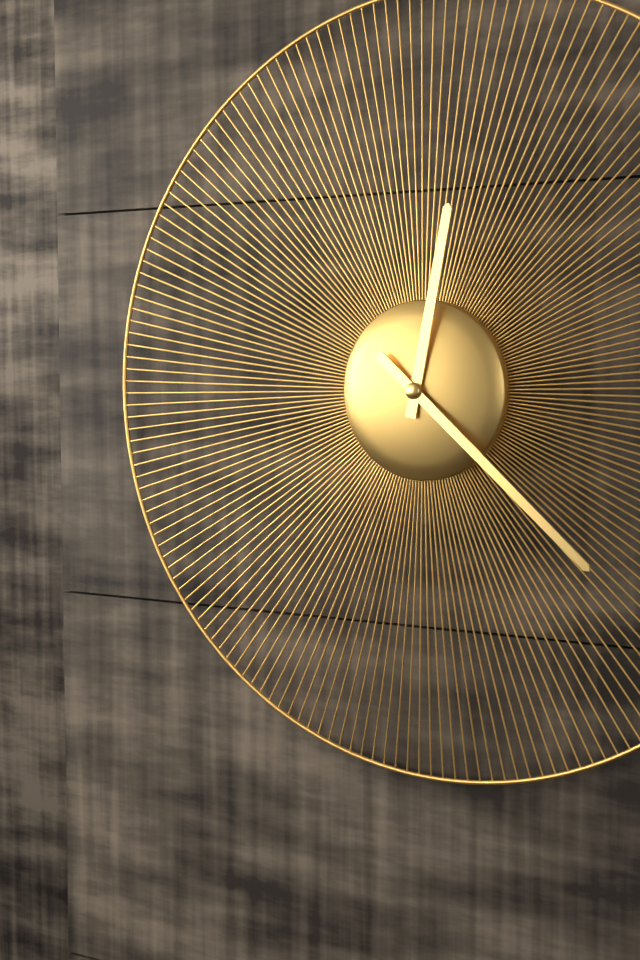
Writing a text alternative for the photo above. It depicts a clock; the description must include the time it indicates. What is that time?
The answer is 12:22
